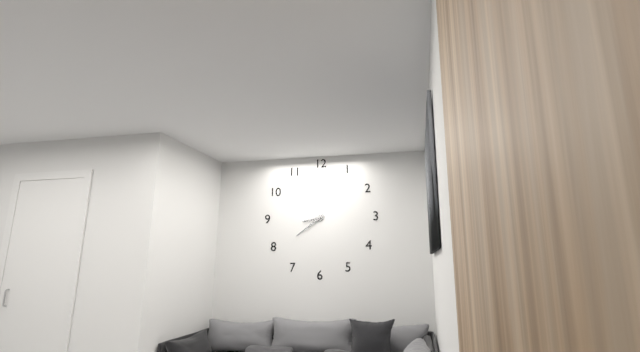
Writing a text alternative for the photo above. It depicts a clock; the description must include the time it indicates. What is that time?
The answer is 8:39
